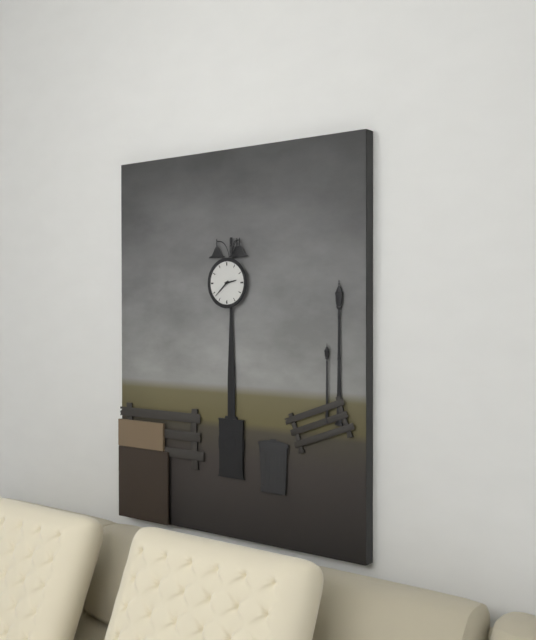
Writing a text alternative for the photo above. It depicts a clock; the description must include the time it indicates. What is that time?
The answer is 2:38
